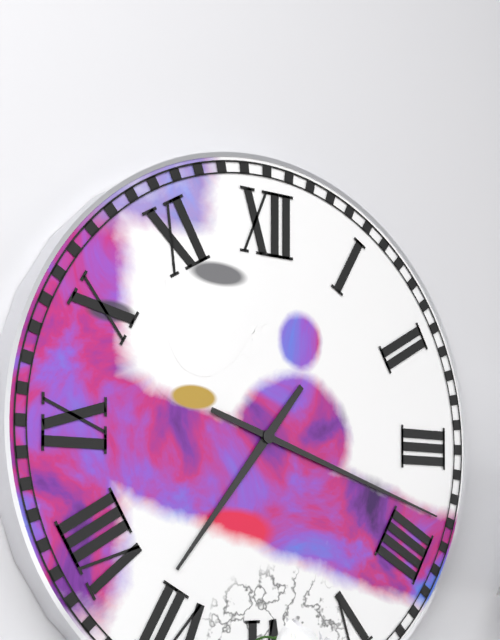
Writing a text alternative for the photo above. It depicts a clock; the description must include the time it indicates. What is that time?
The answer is 7:18
